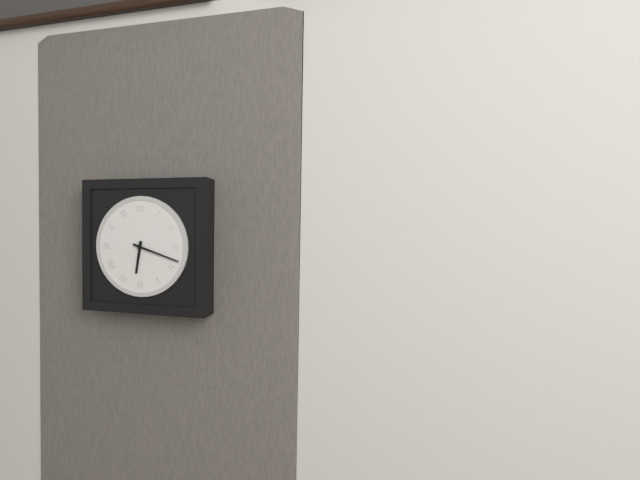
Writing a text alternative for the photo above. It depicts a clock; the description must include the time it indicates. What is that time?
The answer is 6:18
